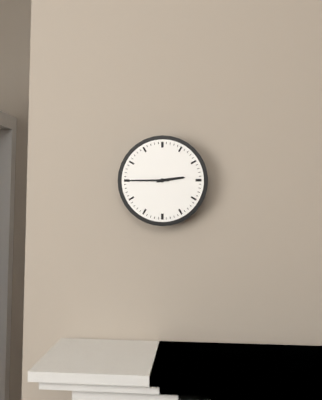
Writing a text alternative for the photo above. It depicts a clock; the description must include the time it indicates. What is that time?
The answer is 2:45
